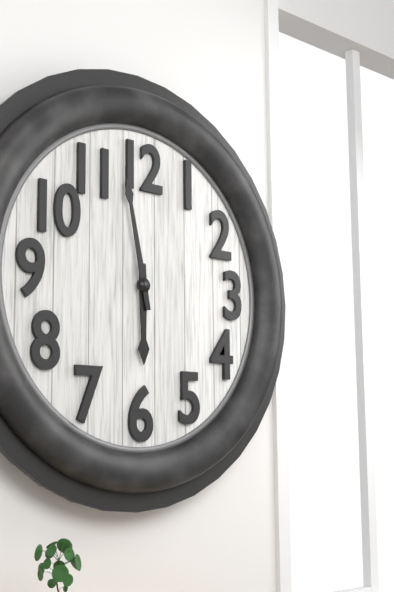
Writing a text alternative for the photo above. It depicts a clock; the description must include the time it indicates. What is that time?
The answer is 5:58
